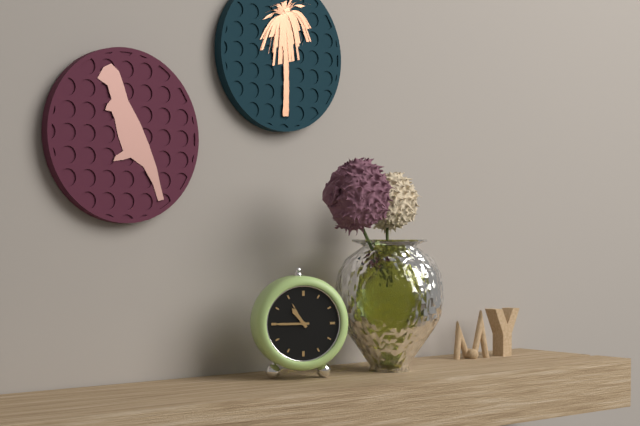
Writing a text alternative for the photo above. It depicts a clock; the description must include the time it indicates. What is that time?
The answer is 10:45
